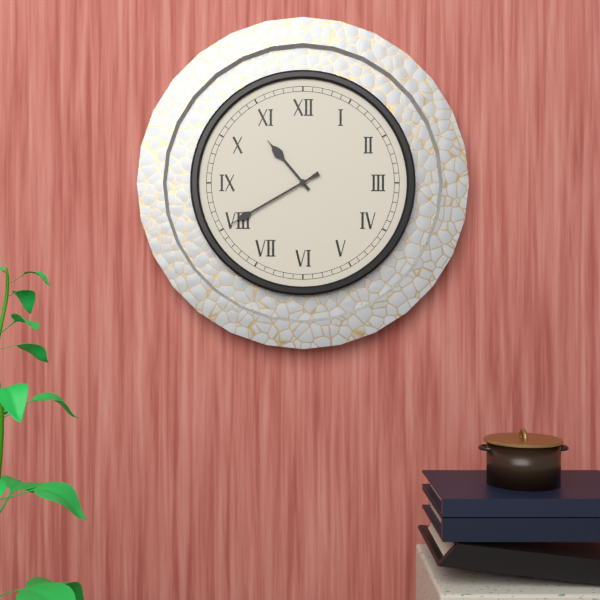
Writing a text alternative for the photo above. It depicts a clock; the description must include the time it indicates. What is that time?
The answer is 10:40
